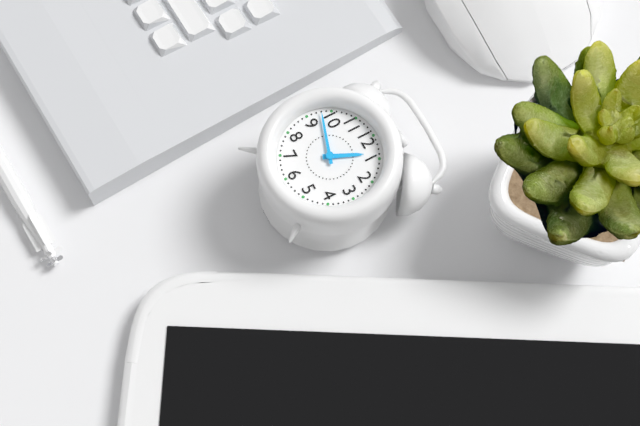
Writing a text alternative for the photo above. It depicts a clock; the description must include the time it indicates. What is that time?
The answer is 12:48
